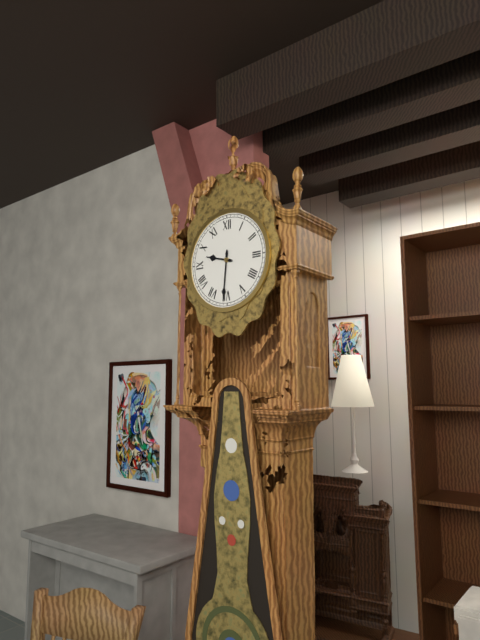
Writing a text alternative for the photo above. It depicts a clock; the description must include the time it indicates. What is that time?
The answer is 9:31
